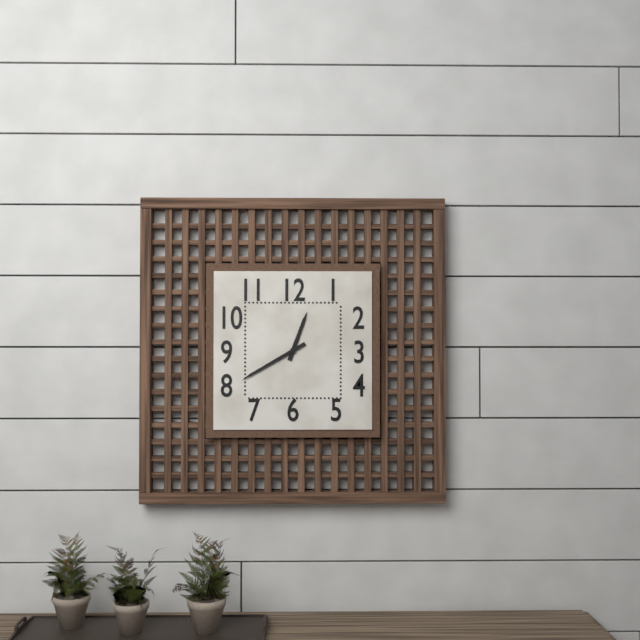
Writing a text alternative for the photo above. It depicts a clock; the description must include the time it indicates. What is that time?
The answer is 12:40
